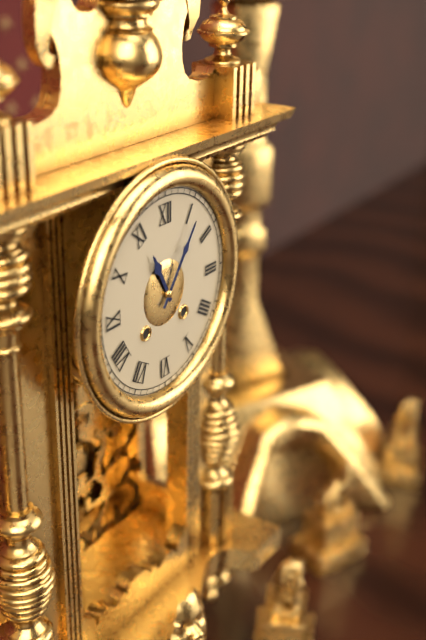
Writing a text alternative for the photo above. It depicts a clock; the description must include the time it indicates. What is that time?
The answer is 11:06
